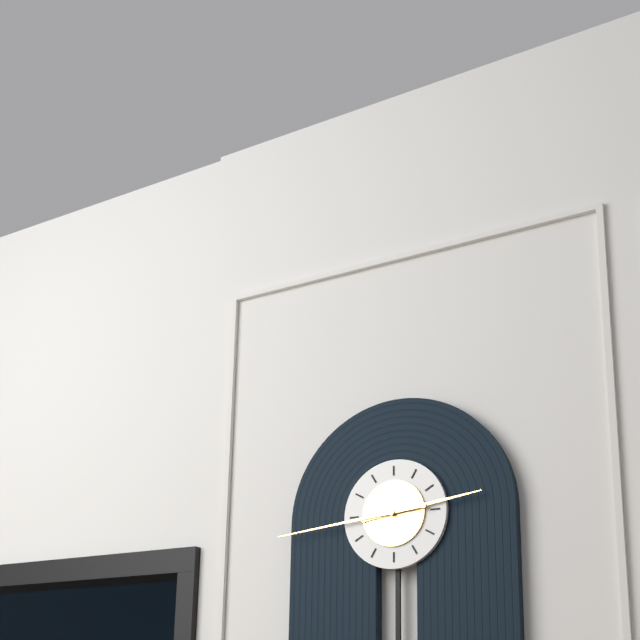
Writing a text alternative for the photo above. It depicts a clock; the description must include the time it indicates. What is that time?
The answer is 2:44
